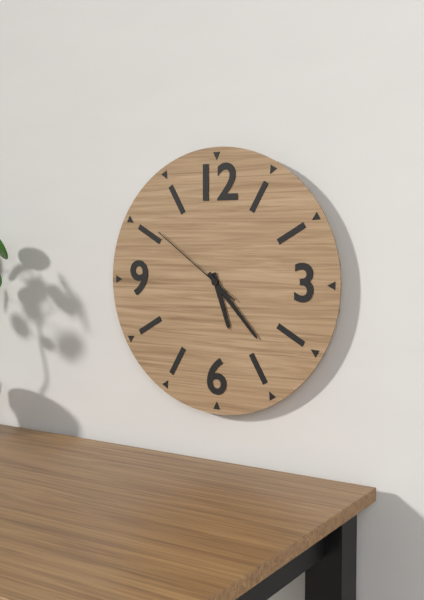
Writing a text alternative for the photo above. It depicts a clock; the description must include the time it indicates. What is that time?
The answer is 5:23:51
